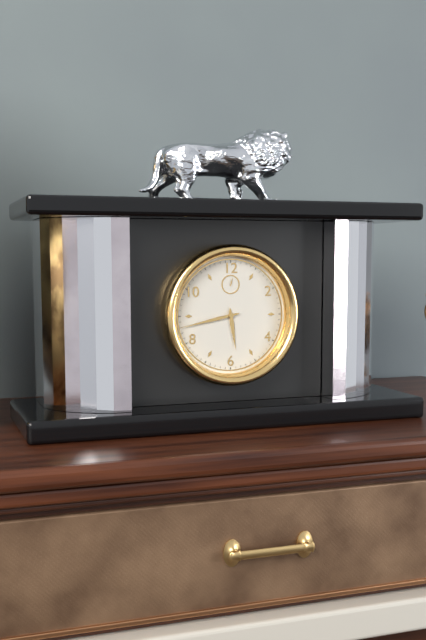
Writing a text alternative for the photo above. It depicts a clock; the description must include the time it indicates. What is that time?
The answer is 5:43
